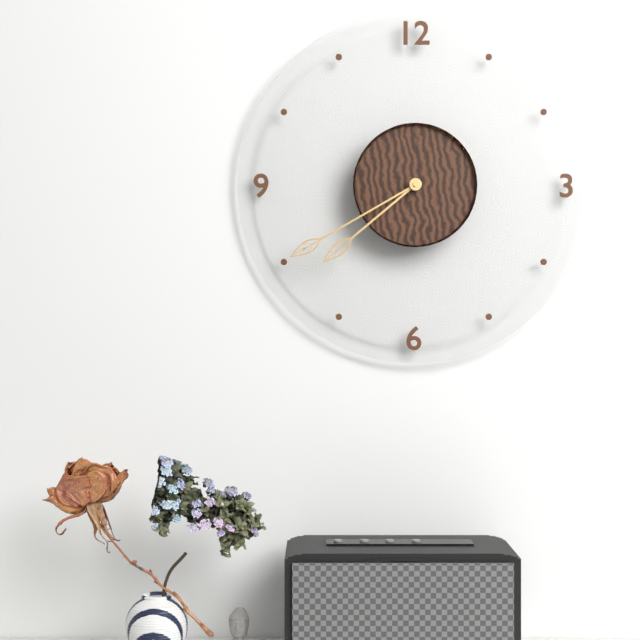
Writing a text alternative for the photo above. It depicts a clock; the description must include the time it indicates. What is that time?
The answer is 7:40
